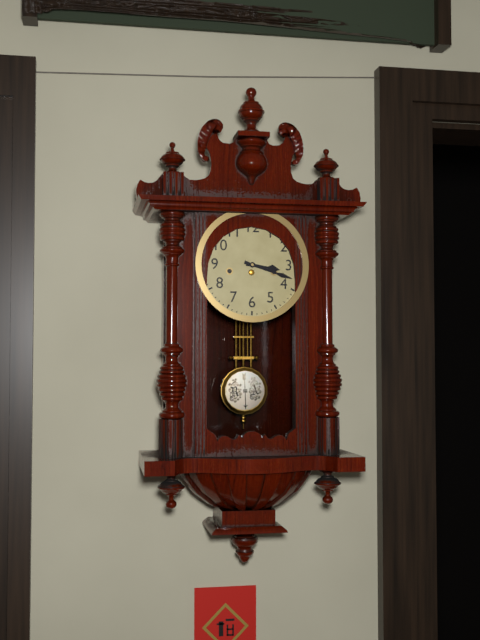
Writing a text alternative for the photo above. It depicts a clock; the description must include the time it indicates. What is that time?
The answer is 3:18
